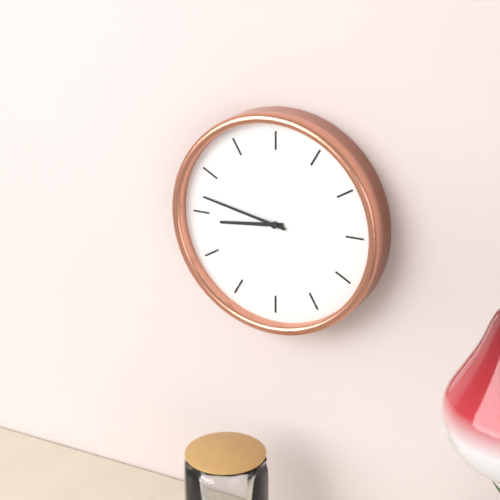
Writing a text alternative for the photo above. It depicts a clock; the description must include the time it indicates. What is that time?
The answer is 8:47
